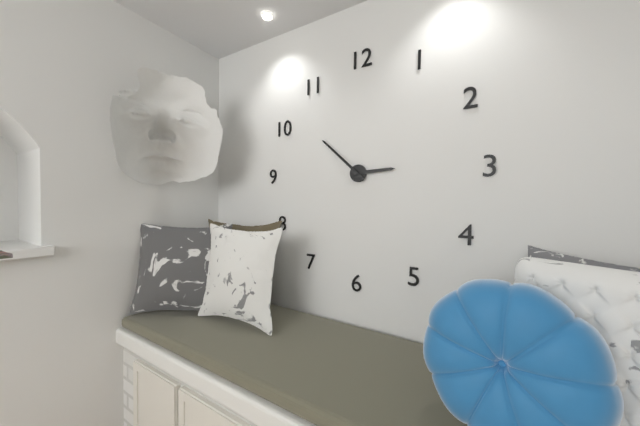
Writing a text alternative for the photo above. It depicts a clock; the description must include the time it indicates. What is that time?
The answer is 2:52
